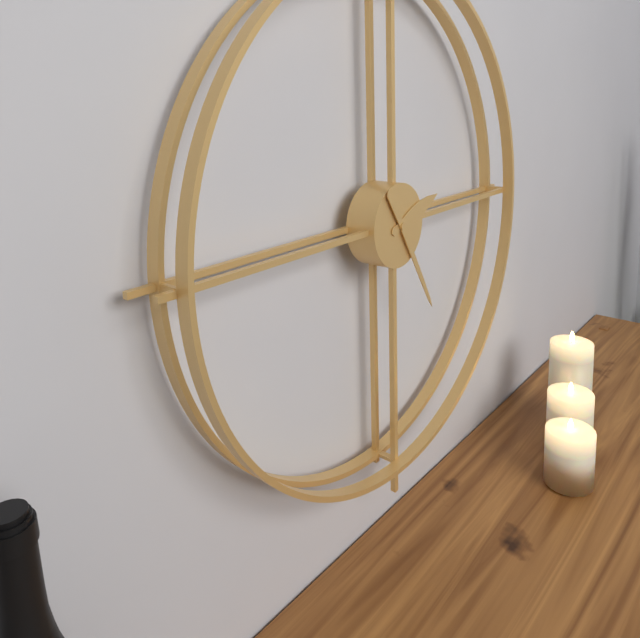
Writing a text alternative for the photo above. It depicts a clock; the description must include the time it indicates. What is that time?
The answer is 2:25
